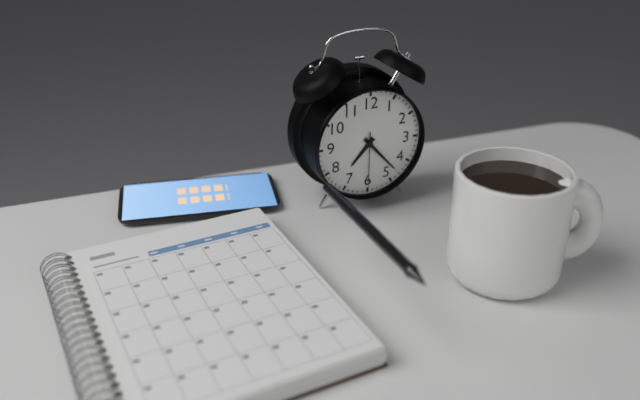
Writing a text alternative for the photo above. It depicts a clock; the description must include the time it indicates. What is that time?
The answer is 7:23:30
